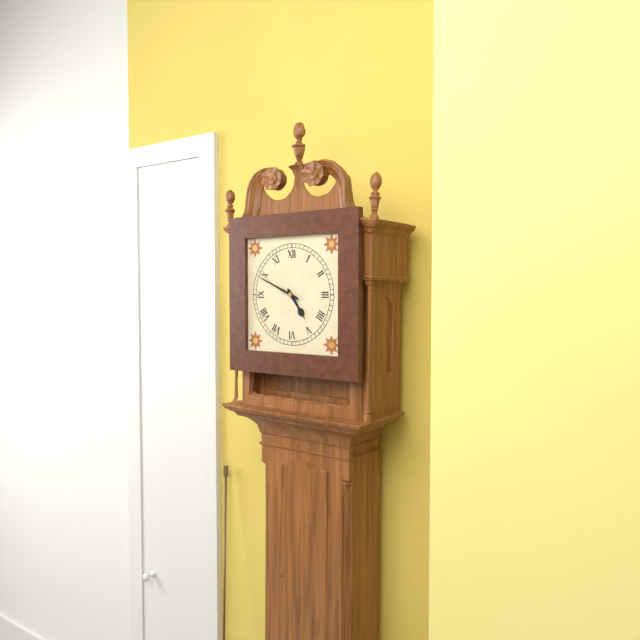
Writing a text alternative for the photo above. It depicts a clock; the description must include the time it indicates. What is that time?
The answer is 4:49
